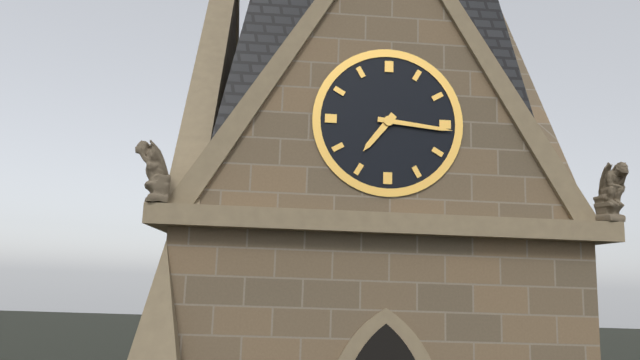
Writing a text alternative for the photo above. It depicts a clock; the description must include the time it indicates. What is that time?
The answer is 7:16
